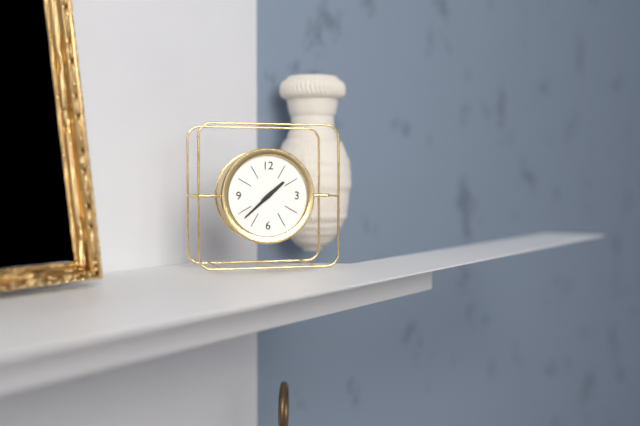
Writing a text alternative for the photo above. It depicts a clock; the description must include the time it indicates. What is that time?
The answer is 1:38
